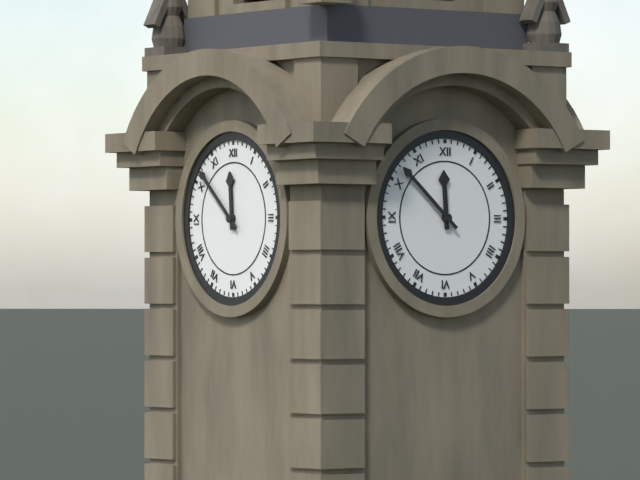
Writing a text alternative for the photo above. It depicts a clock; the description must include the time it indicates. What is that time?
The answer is 11:52
